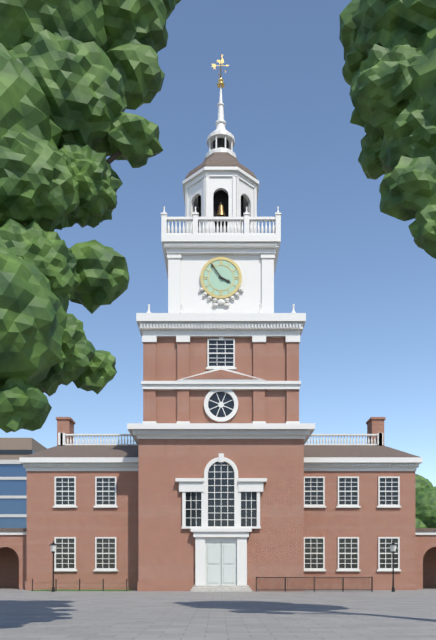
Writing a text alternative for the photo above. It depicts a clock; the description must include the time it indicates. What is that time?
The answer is 3:54
